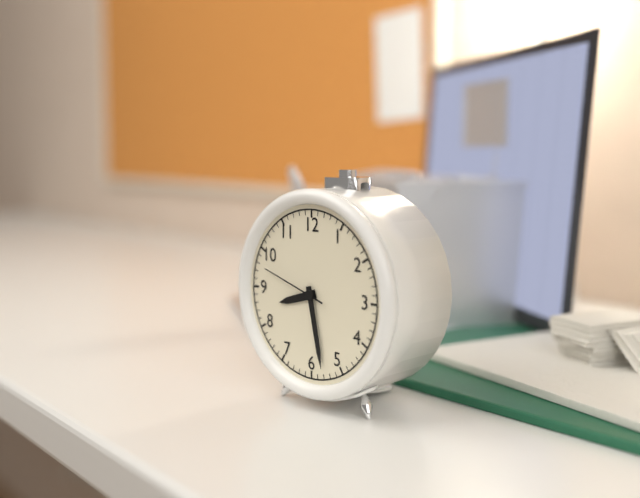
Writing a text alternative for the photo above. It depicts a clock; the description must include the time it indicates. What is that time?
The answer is 8:28:48
